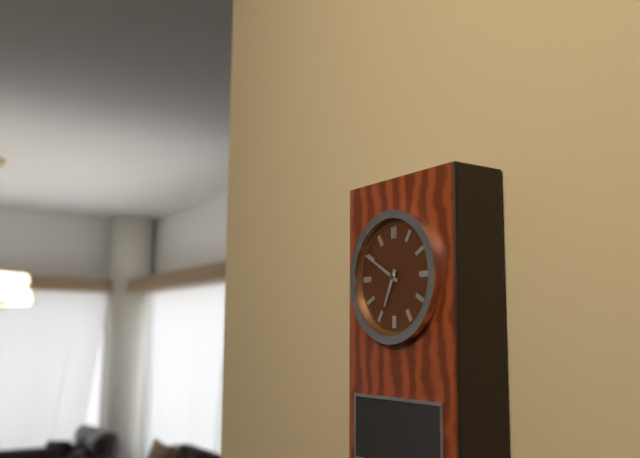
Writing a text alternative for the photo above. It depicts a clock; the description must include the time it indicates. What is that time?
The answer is 6:50
